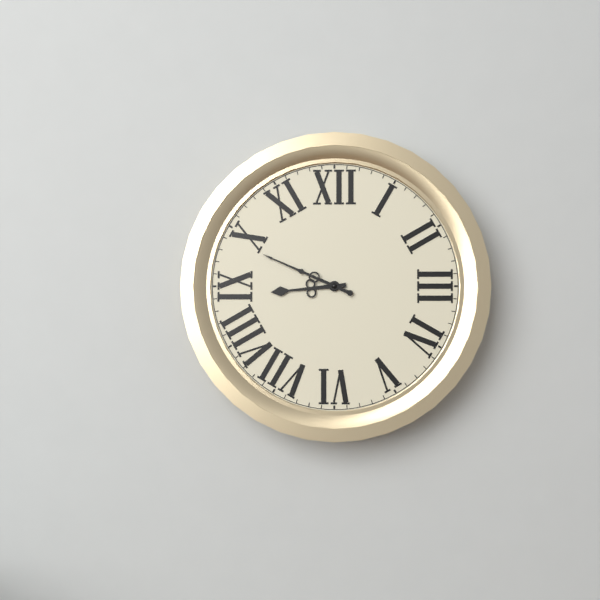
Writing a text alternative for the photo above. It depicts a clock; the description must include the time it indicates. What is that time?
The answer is 8:49
